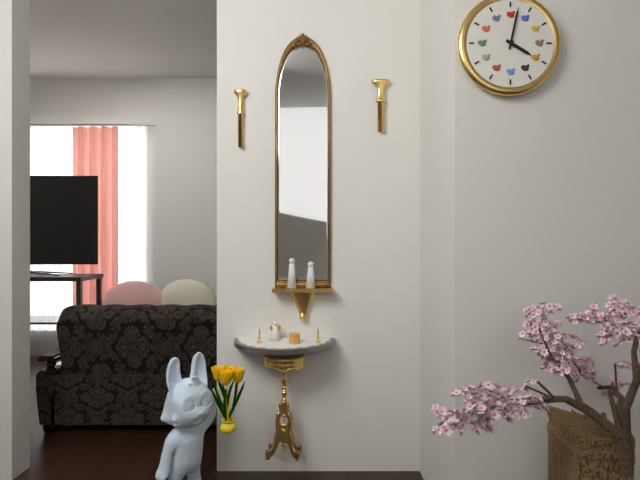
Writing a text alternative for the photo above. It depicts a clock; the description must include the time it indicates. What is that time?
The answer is 4:02
